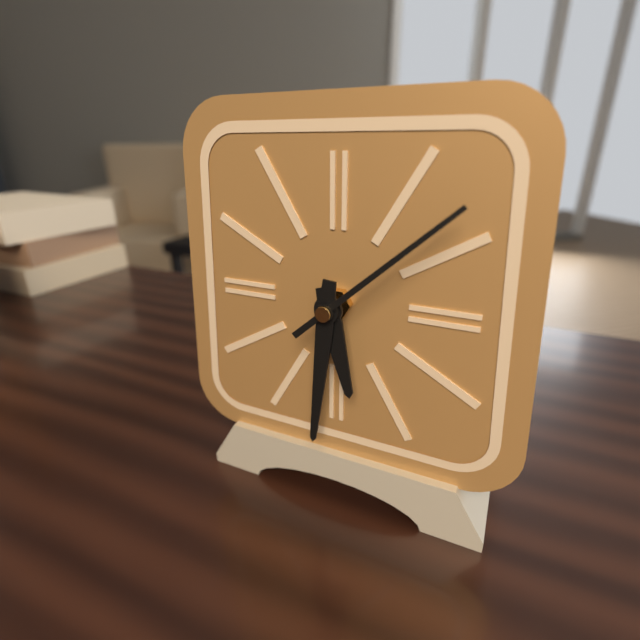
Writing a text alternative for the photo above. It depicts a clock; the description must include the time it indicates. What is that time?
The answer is 5:31:08
